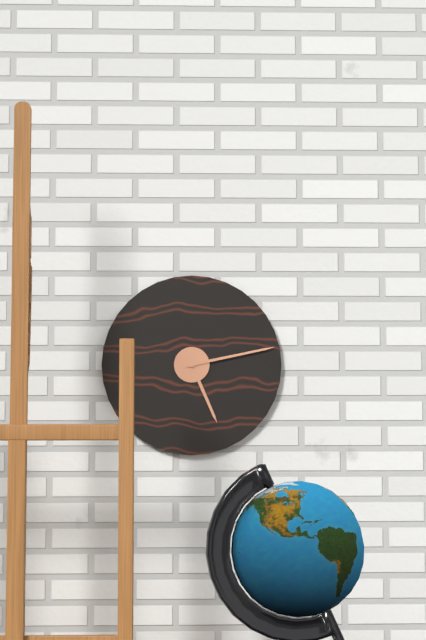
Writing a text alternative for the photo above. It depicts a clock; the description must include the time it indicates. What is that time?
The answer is 5:13
